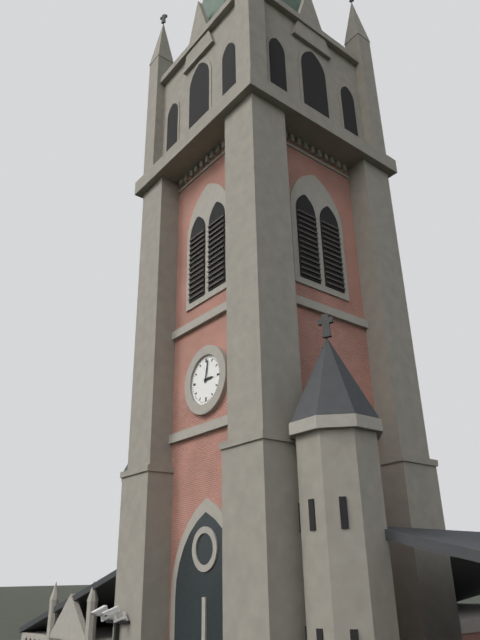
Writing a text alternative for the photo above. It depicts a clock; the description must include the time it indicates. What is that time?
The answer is 3:02
